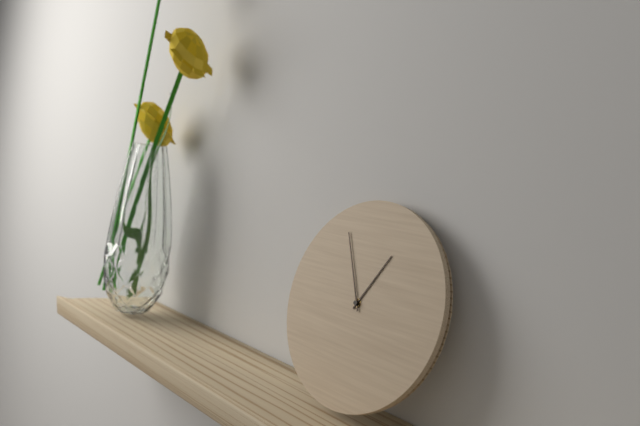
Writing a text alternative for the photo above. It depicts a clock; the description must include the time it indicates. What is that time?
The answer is 12:55
